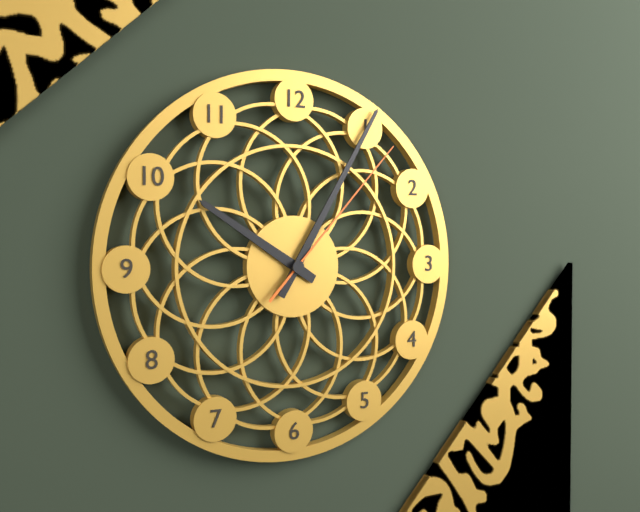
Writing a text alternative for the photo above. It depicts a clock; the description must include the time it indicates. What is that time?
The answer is 10:05:07
